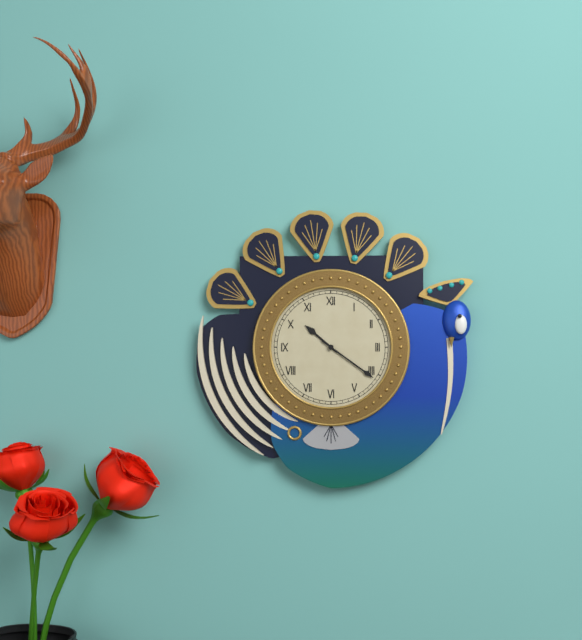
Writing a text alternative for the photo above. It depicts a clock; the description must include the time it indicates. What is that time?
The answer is 10:21
